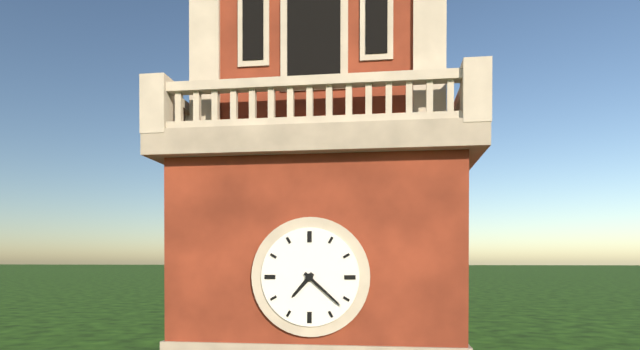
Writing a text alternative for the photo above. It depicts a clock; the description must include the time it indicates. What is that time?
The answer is 7:22
